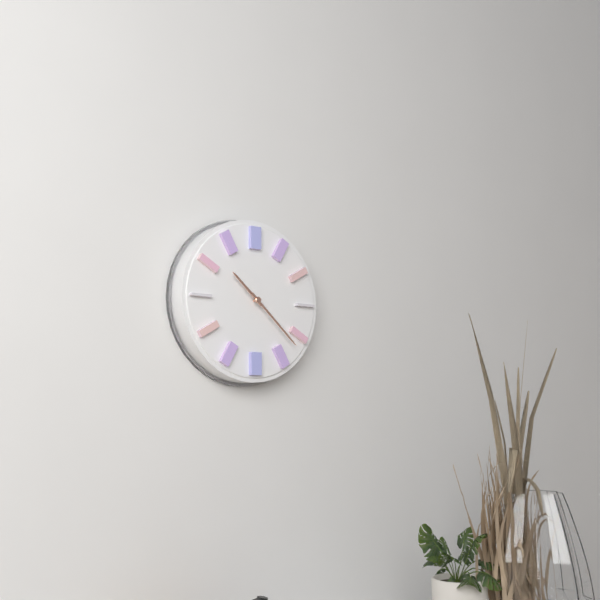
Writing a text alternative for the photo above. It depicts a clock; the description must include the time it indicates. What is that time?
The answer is 10:22
